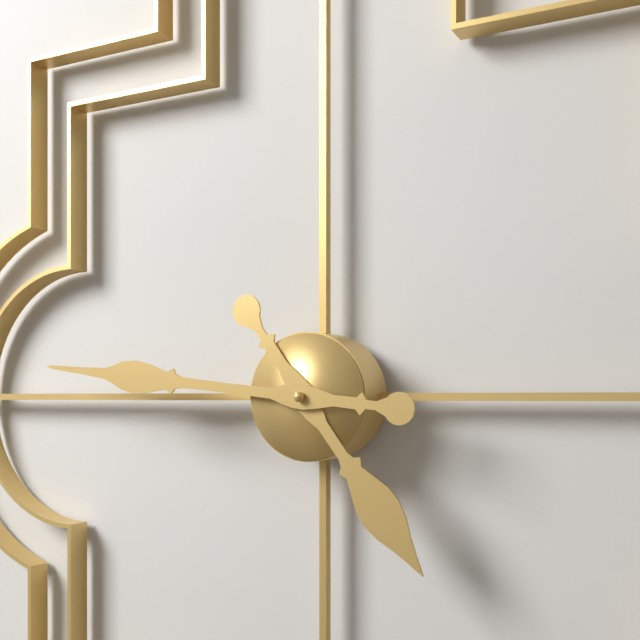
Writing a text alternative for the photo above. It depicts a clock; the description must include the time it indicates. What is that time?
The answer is 4:46
